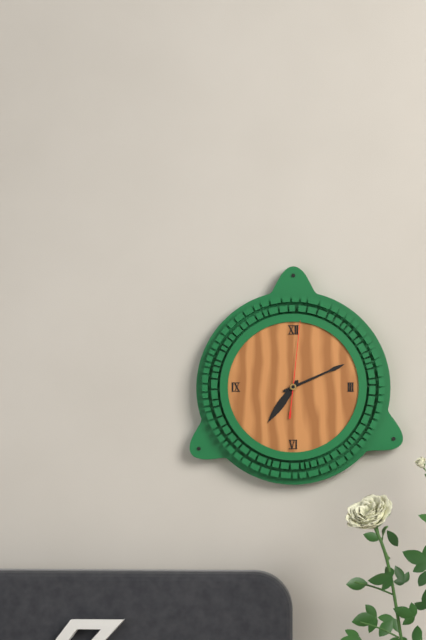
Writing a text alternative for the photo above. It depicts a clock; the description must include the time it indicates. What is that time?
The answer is 7:11:01
